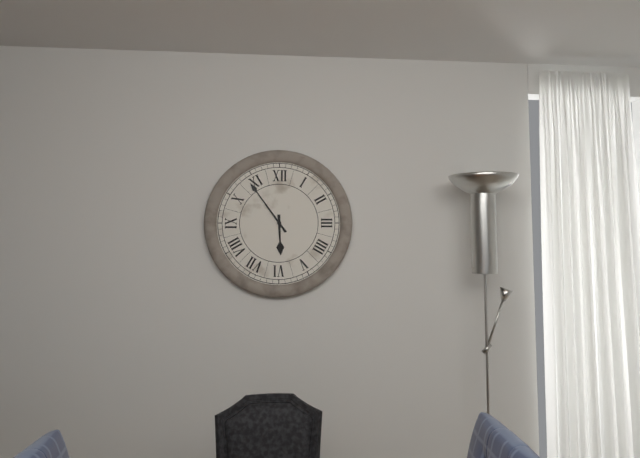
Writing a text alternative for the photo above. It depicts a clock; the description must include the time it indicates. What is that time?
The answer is 5:54
